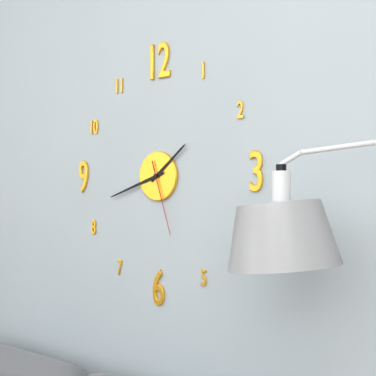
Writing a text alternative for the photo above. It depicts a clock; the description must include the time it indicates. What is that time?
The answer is 1:42:27
